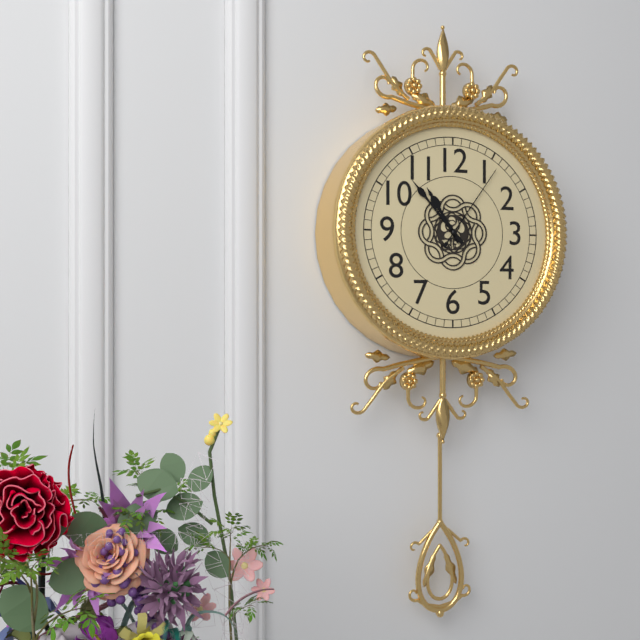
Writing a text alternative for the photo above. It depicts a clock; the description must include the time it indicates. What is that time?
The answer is 10:53:06
